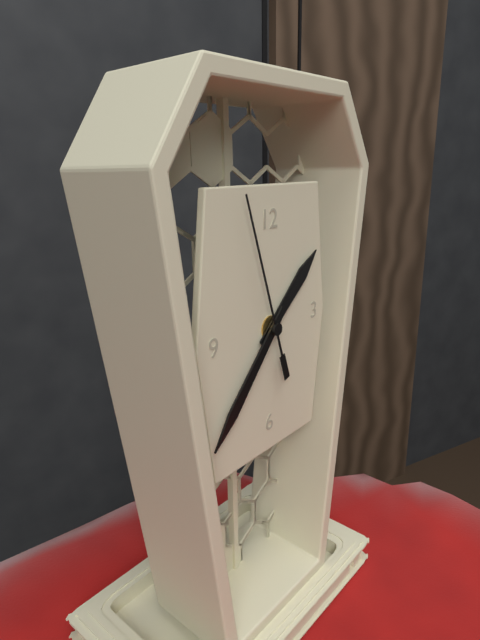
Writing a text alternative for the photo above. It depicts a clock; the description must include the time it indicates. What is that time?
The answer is 1:37:57
